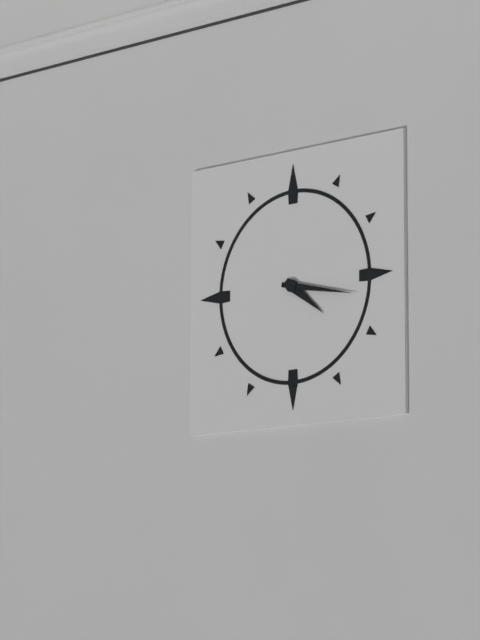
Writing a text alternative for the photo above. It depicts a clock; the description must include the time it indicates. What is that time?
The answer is 4:17
